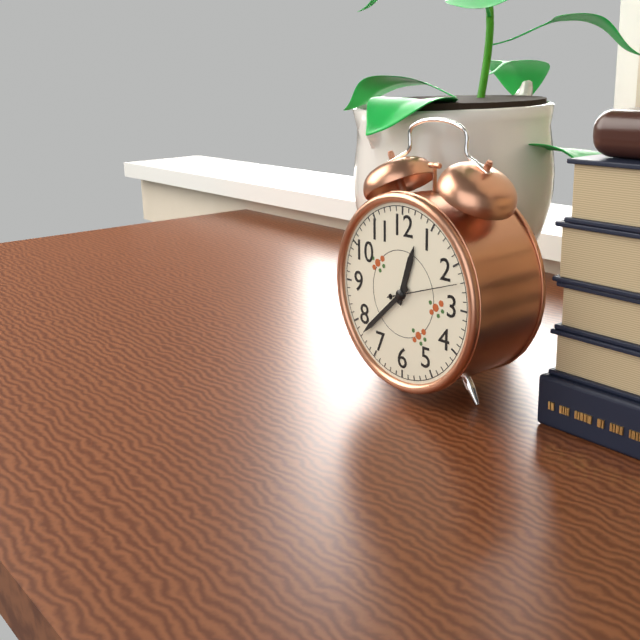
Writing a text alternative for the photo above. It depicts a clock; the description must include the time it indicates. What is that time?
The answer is 12:38:12
